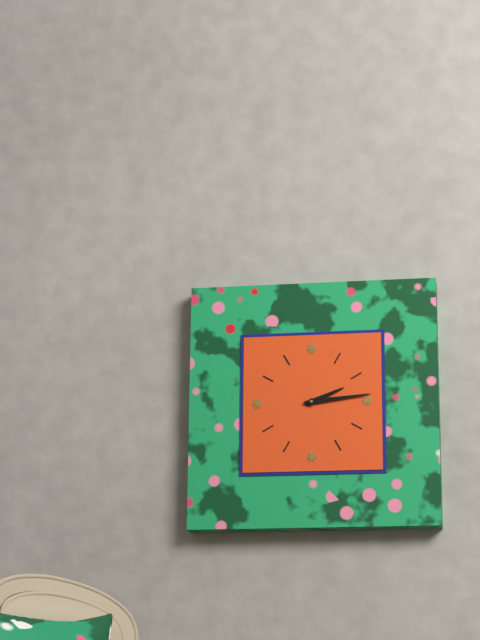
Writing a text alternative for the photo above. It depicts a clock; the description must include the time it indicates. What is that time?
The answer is 2:14
